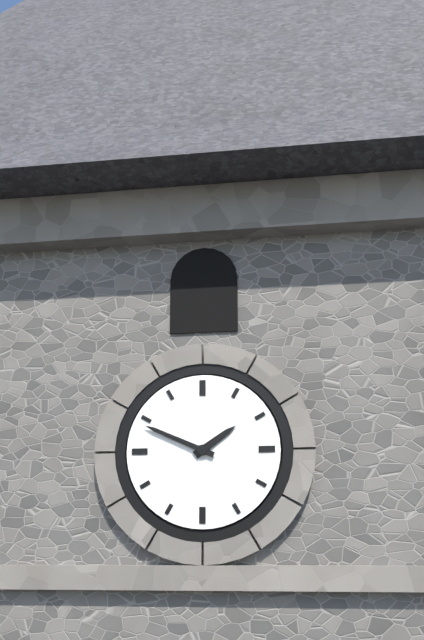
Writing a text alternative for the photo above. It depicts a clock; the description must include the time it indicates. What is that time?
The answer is 1:49
